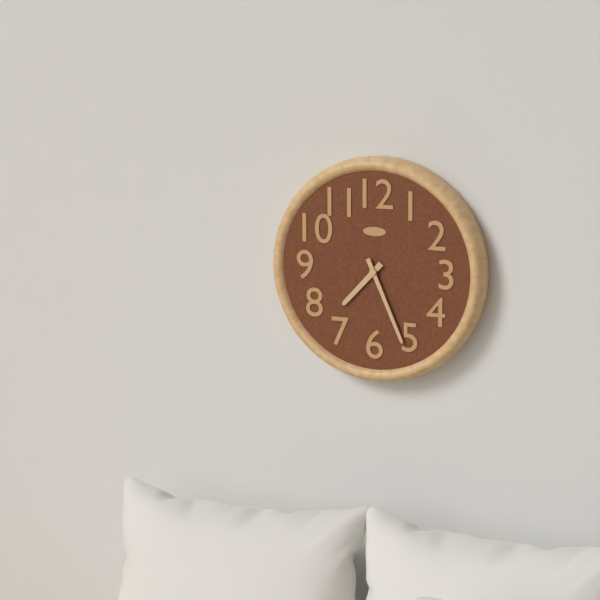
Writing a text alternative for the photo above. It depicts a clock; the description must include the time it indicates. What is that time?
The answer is 7:26
